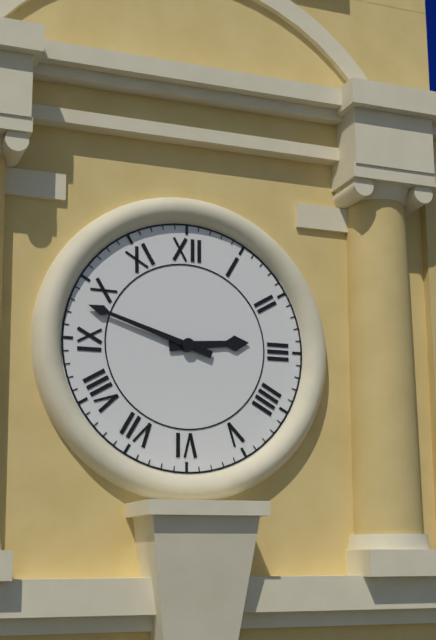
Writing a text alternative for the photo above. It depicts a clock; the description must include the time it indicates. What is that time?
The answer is 2:48
